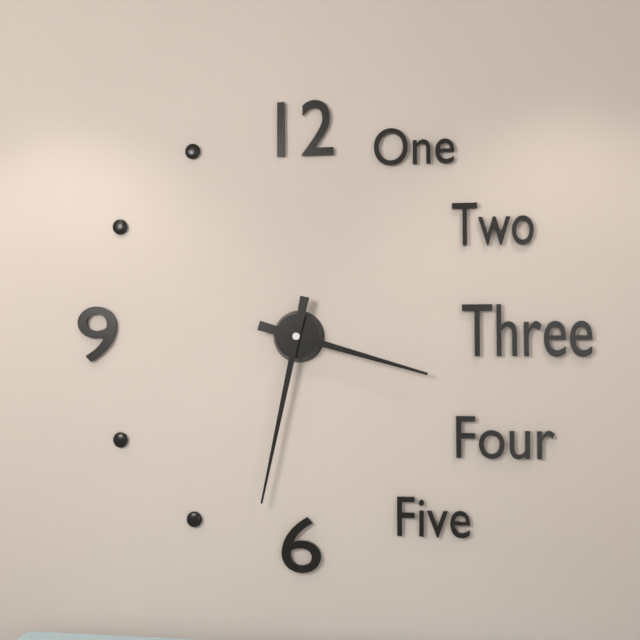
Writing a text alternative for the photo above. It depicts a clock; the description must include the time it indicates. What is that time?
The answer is 3:32
